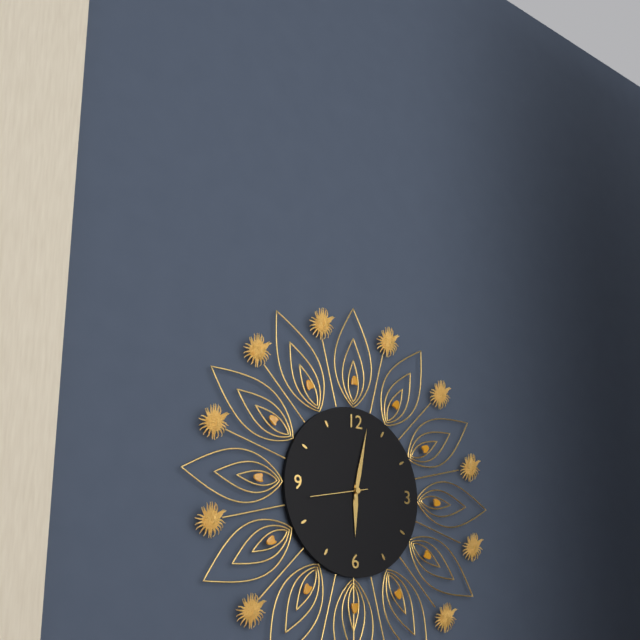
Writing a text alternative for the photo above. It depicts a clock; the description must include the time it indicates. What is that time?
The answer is 6:02:43
